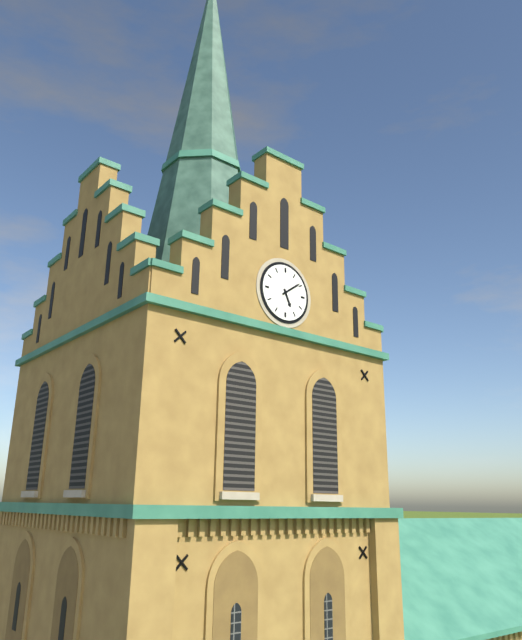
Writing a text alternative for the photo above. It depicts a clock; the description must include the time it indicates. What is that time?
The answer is 5:09
